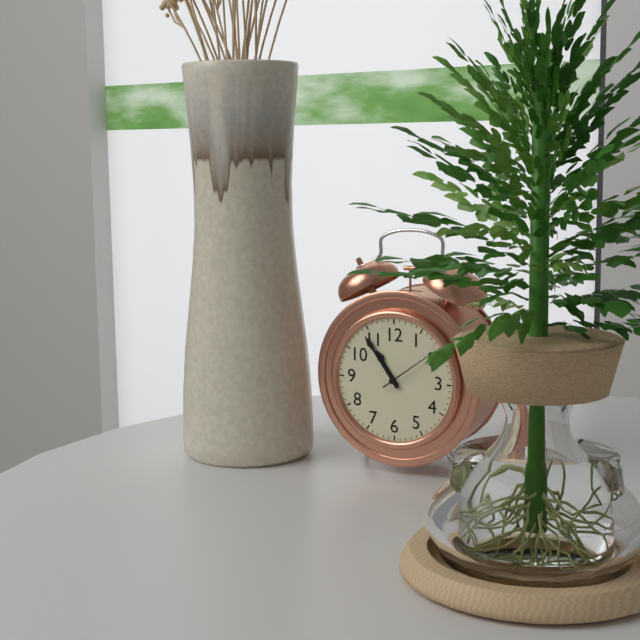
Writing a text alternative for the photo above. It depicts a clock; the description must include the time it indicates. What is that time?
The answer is 10:54:09
